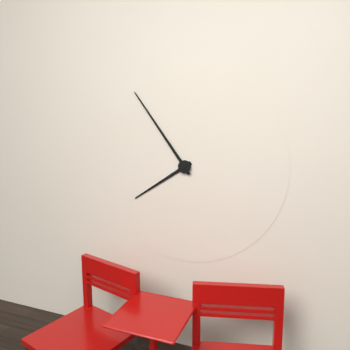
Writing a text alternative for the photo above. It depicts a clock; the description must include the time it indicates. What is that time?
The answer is 7:54
